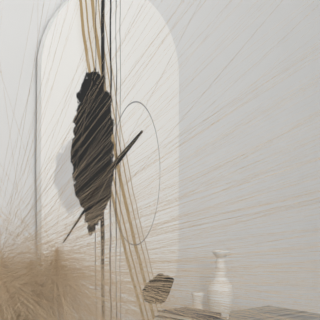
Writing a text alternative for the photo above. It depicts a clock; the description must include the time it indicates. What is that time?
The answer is 1:37
